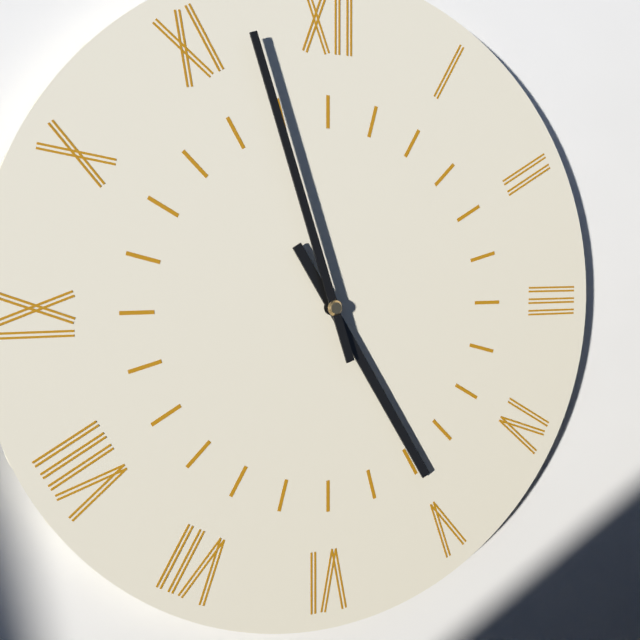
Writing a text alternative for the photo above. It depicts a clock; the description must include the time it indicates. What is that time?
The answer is 4:57
